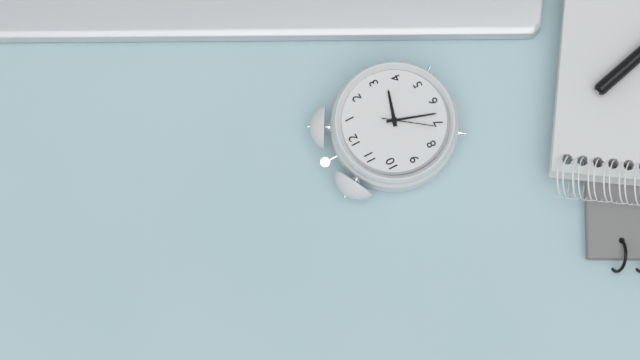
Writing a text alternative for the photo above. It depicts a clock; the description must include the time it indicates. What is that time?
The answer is 3:33:36
